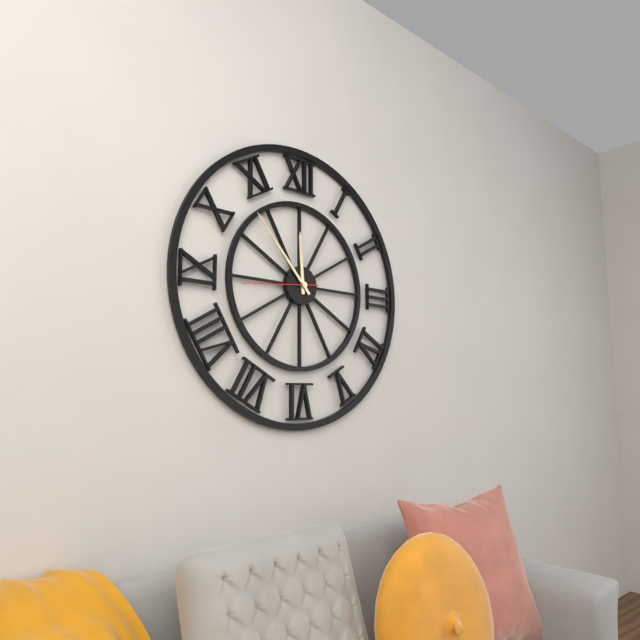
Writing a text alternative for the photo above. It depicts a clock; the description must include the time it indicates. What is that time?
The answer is 11:53:44
